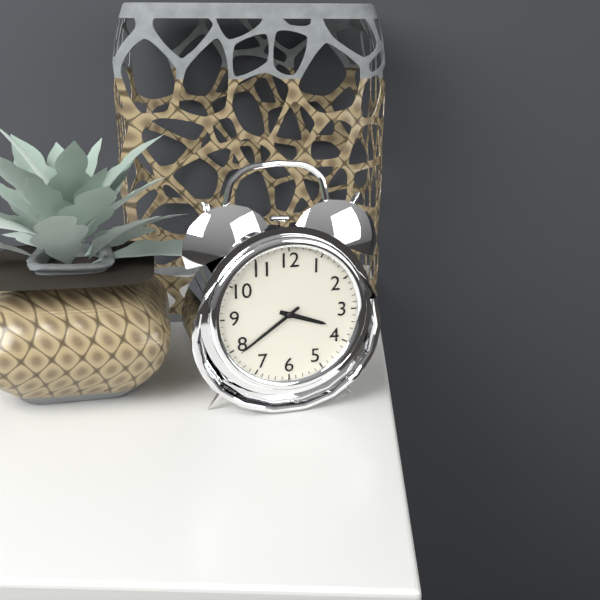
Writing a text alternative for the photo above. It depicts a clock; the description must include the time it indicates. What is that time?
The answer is 3:39
